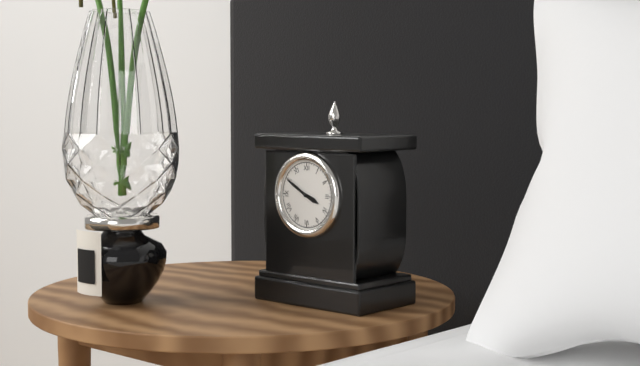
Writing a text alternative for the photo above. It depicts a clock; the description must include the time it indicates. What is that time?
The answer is 3:50
